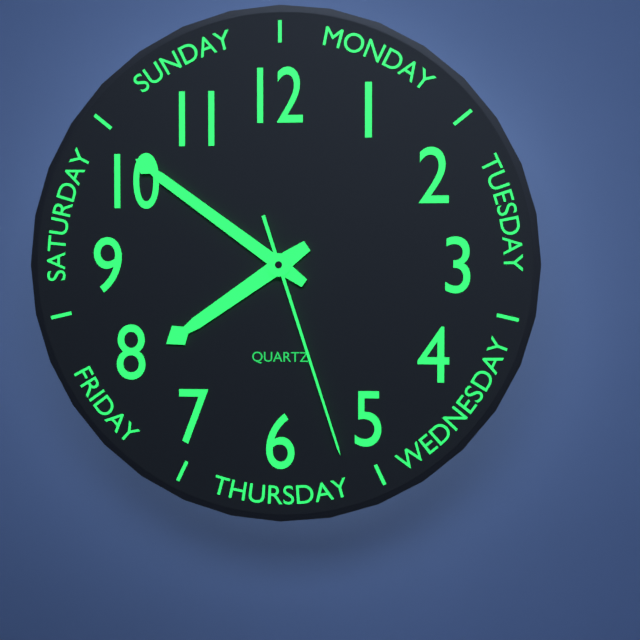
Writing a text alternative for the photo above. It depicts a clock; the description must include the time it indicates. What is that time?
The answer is 7:51:27
